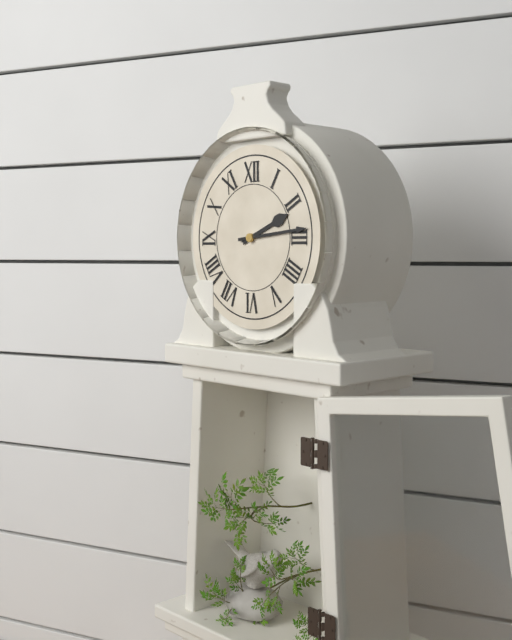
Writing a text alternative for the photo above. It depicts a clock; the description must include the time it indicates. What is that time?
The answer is 2:14
